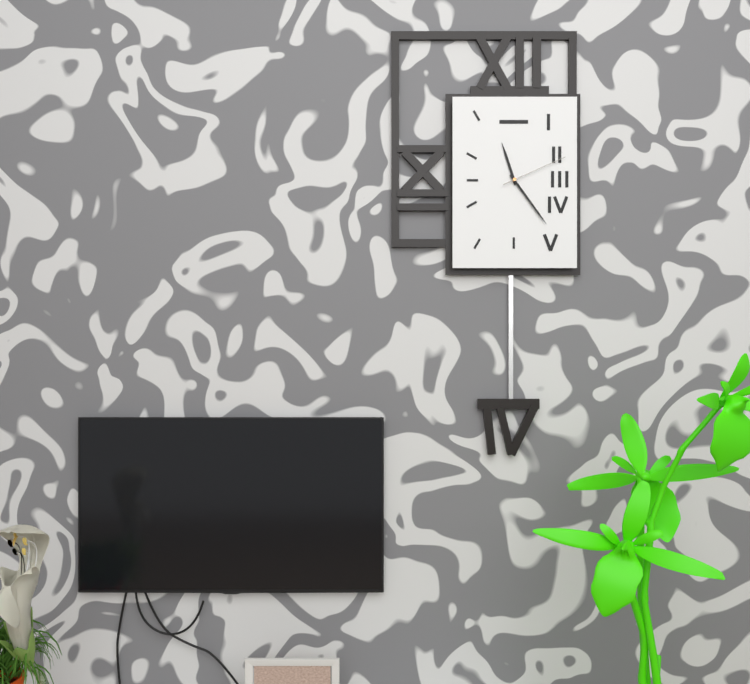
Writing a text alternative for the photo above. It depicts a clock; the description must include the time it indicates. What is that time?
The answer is 11:24:11
